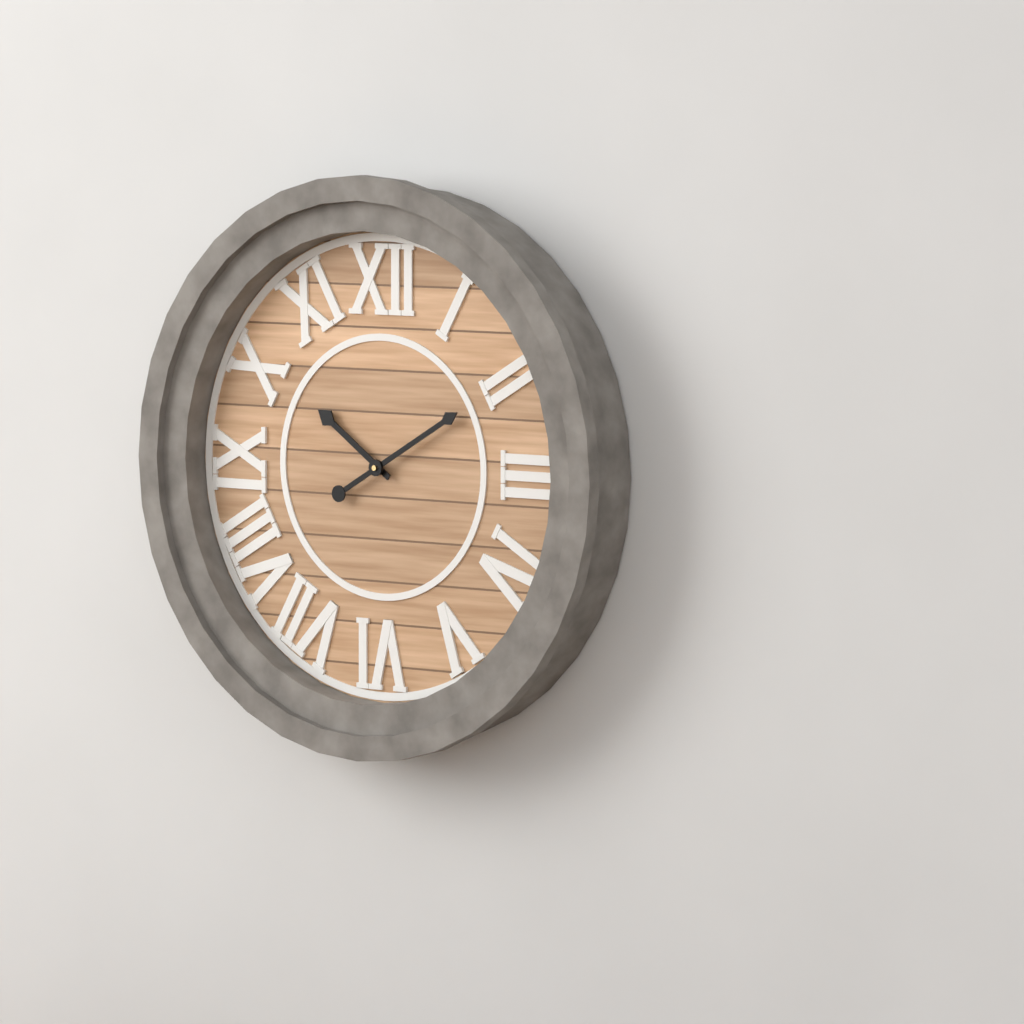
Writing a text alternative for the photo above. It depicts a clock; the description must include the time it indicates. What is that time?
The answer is 10:10
